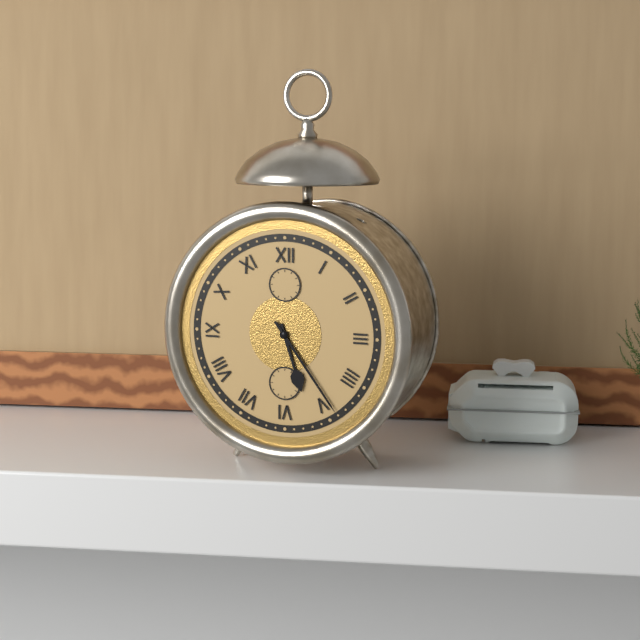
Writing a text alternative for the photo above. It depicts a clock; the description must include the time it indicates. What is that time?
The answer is 5:24
